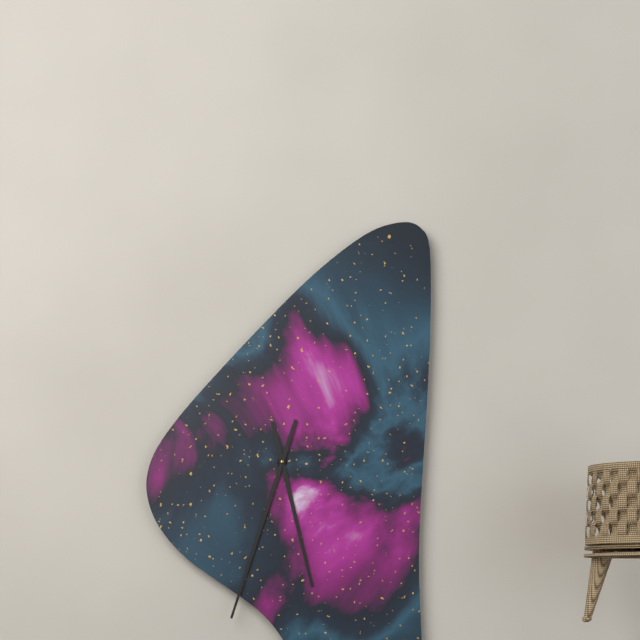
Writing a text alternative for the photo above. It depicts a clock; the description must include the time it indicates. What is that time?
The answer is 5:33
